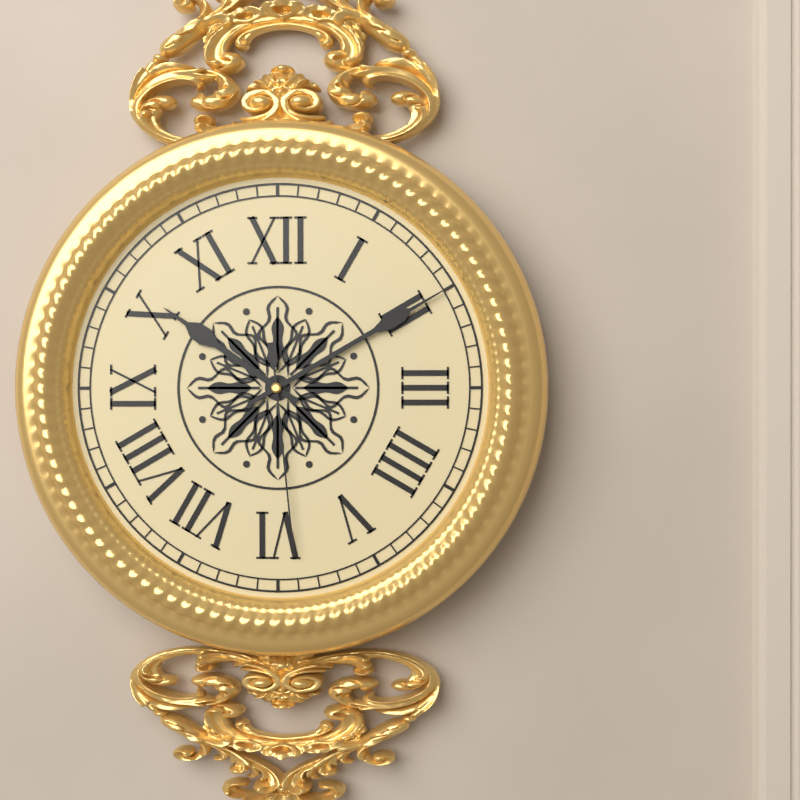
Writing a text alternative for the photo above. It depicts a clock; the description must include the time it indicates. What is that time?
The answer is 10:10:29
